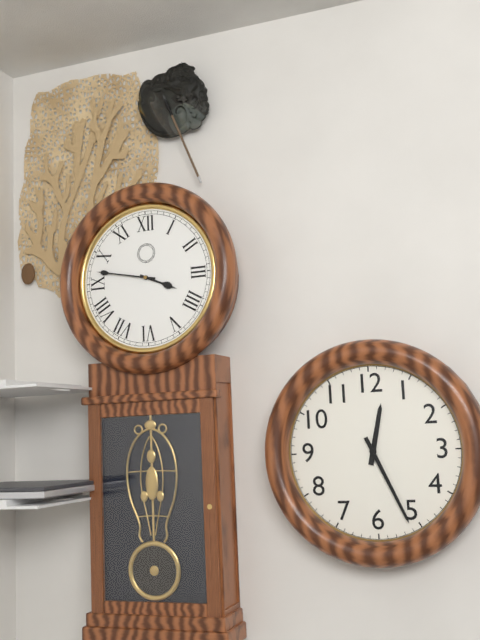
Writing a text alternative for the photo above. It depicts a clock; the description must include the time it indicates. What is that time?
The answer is 3:47
